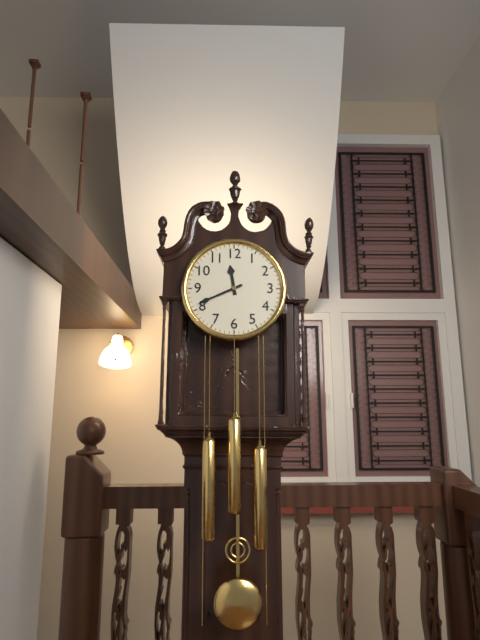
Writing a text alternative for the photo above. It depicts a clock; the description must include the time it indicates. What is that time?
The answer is 11:41
